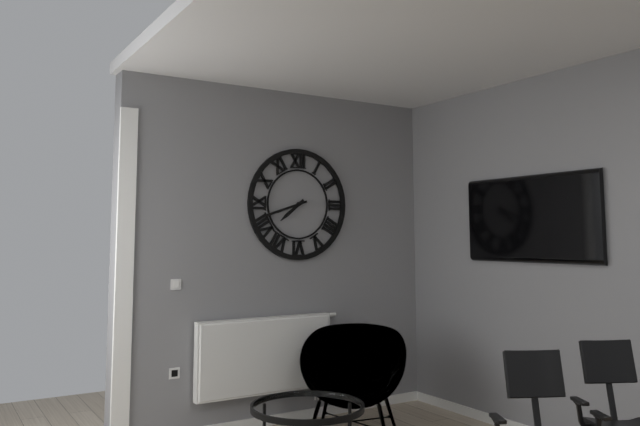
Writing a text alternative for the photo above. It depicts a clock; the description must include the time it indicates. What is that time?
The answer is 7:42
